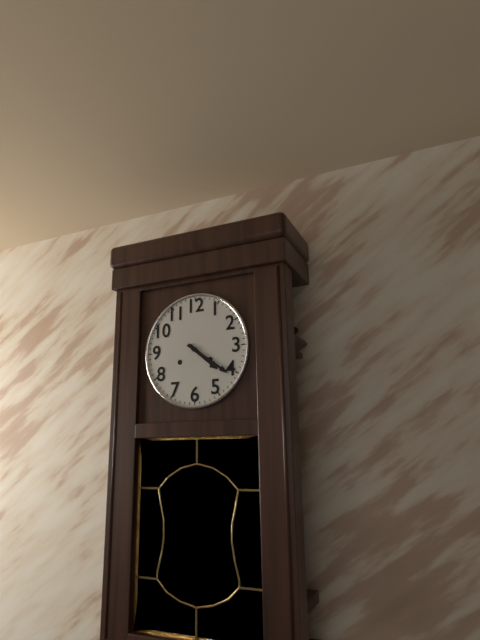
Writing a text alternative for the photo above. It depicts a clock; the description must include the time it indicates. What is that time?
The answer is 4:21
